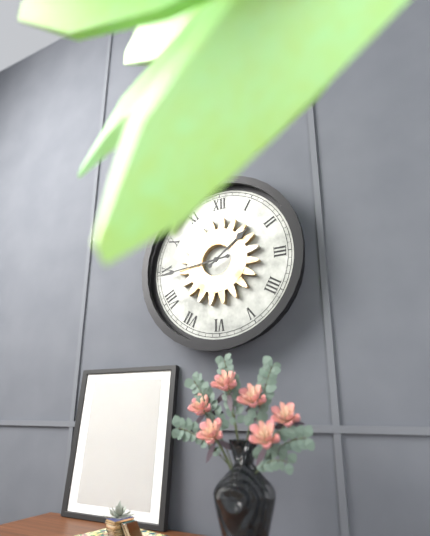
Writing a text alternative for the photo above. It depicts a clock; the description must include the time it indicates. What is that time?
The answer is 1:44
